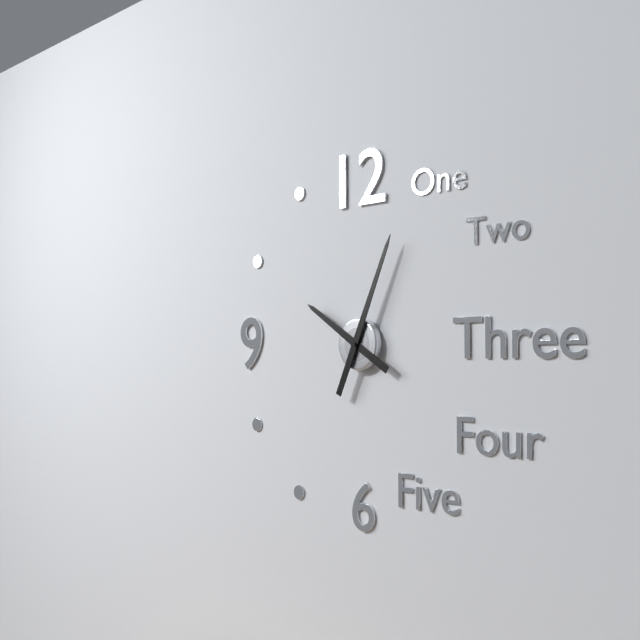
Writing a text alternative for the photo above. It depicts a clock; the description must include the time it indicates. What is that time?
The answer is 10:04
